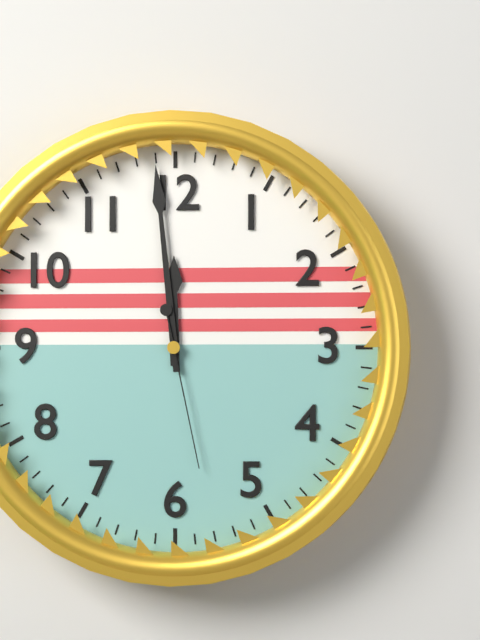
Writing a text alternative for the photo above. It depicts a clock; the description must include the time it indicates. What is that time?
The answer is 11:59:28
